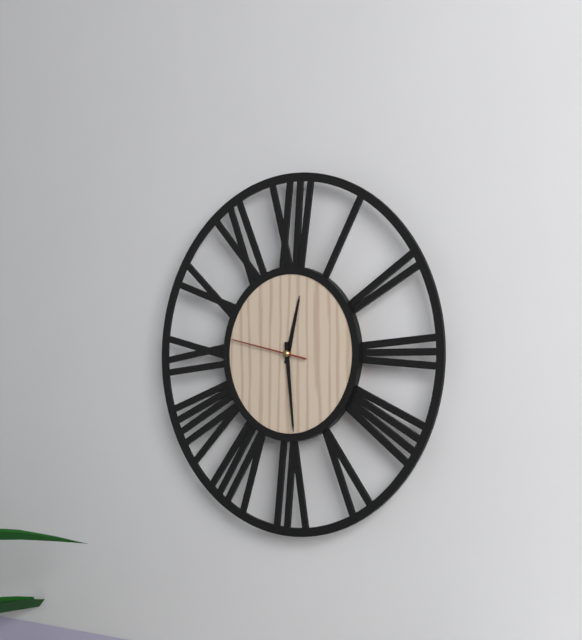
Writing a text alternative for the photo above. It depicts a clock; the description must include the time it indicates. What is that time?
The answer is 12:29:47
